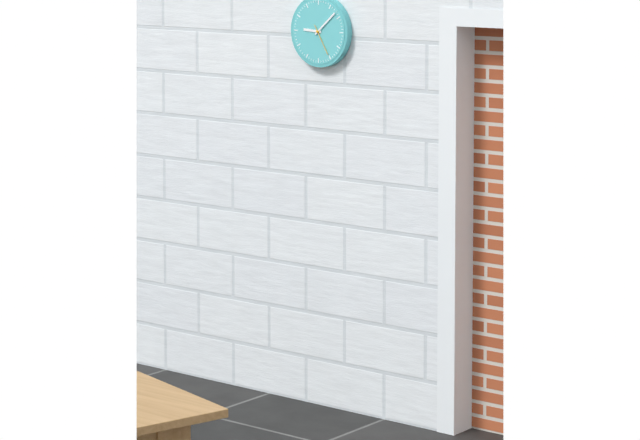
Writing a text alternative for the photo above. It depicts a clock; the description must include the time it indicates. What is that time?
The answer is 9:08
